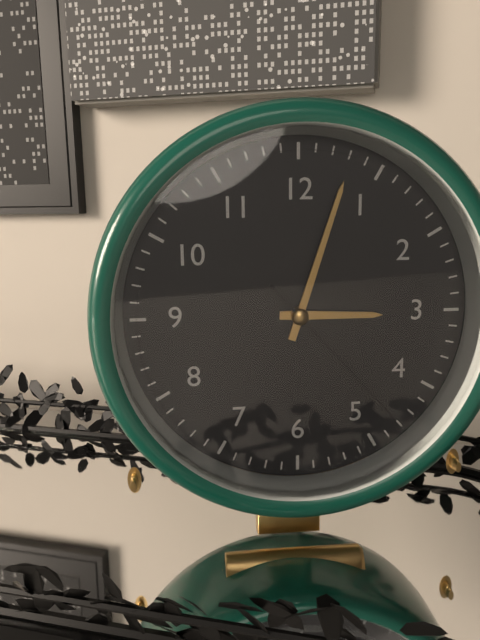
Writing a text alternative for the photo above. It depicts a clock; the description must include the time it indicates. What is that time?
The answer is 3:03:23
